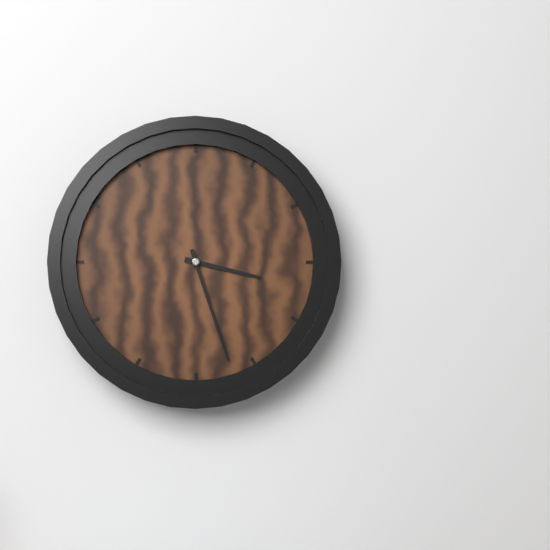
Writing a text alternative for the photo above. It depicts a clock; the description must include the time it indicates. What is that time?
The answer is 3:27
